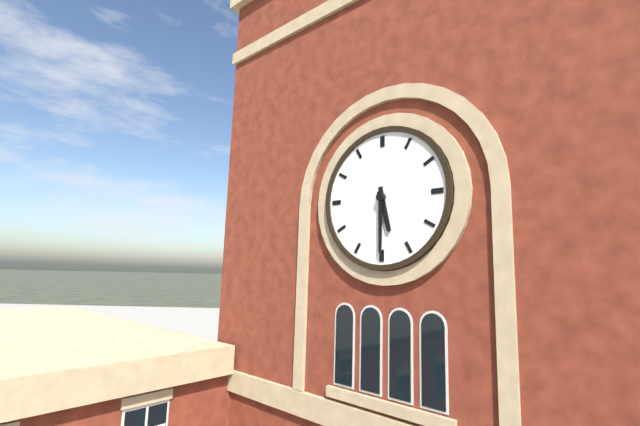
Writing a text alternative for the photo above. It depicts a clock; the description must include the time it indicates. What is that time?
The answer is 5:30
